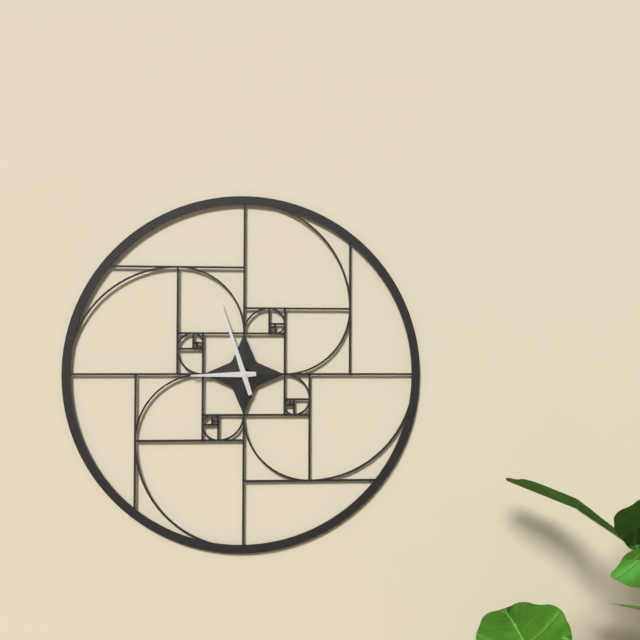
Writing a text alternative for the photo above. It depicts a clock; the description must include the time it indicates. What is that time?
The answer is 8:57
